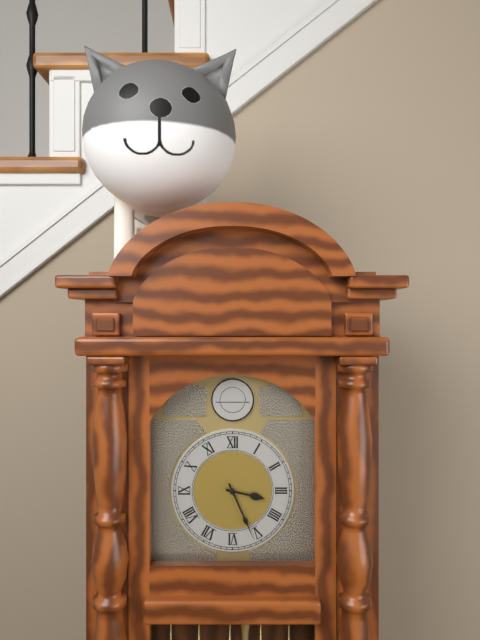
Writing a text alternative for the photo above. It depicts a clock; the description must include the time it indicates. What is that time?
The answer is 3:26
